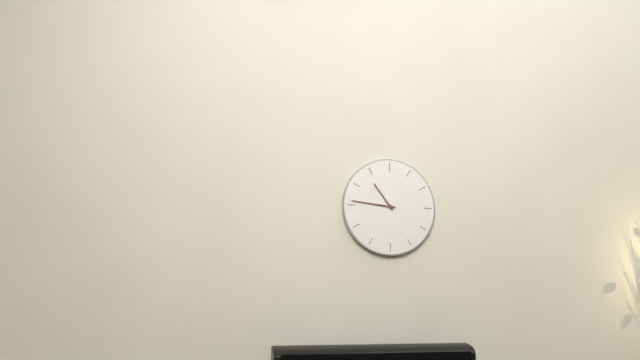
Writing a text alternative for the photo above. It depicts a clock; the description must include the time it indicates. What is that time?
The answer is 10:46
